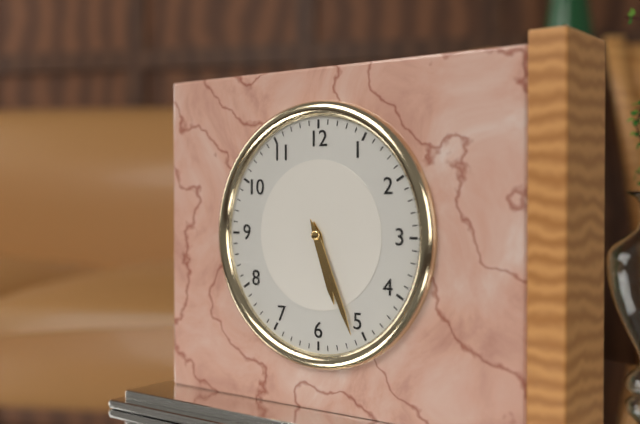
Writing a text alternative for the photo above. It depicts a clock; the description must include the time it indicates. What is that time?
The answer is 5:26
